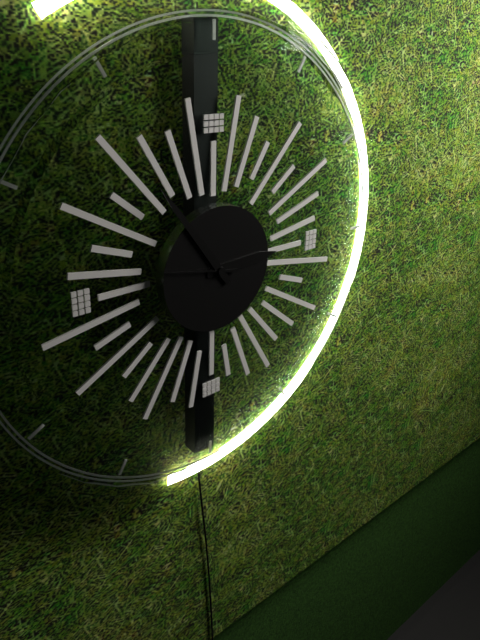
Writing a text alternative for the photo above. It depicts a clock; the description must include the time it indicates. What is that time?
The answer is 2:54
